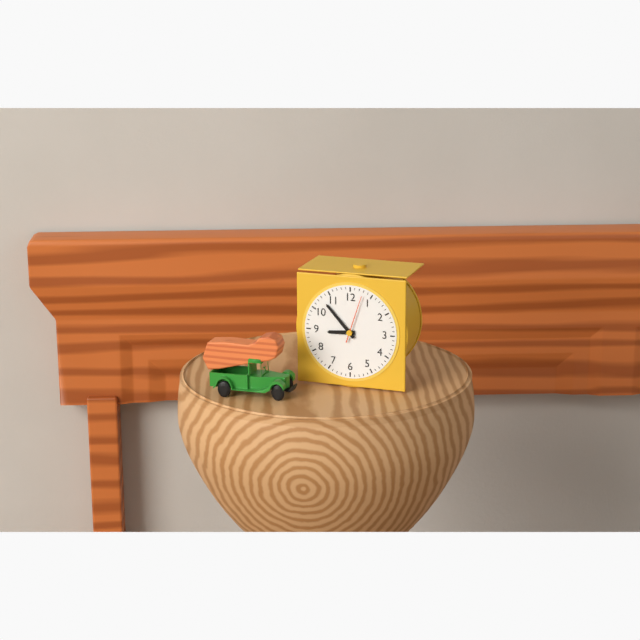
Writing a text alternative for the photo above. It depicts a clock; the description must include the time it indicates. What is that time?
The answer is 8:53
